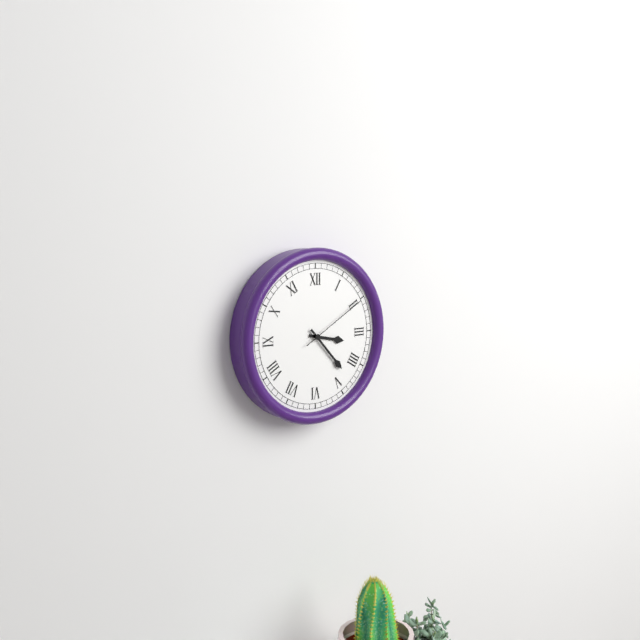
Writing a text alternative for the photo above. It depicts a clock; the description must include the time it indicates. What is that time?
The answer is 3:23:10
